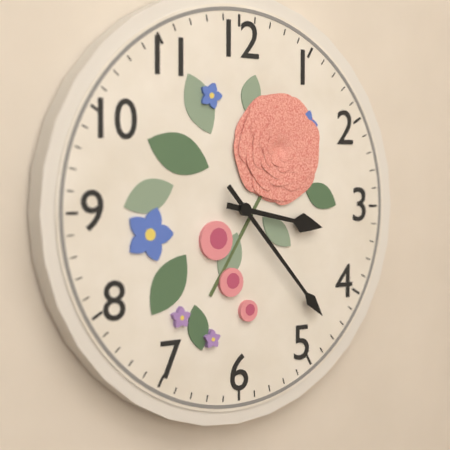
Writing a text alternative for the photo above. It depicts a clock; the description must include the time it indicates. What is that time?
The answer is 3:23
